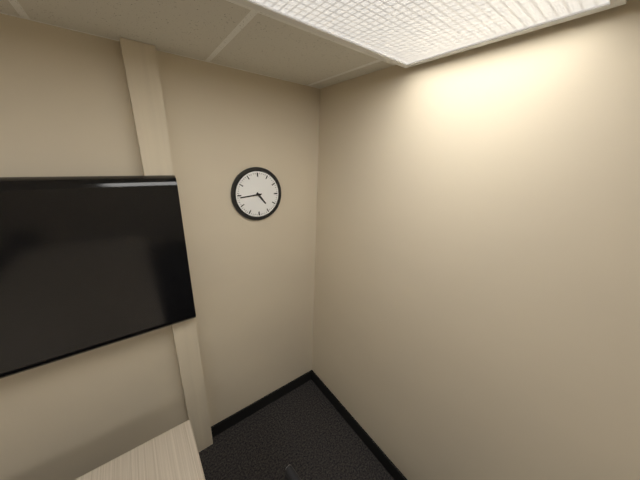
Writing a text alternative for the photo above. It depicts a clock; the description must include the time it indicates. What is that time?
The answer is 4:44
